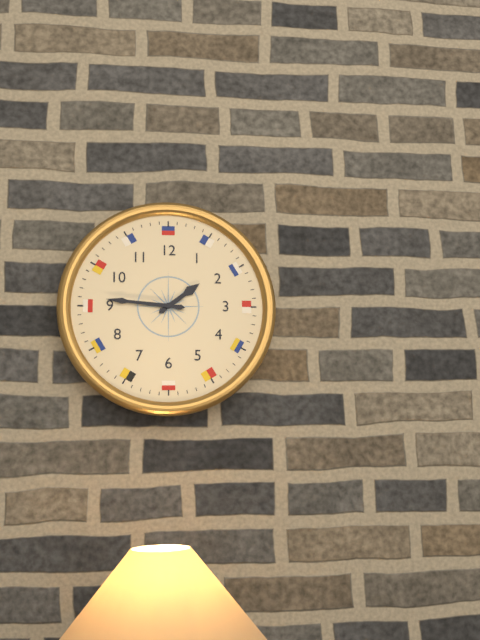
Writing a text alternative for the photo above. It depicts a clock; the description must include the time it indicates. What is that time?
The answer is 1:46
